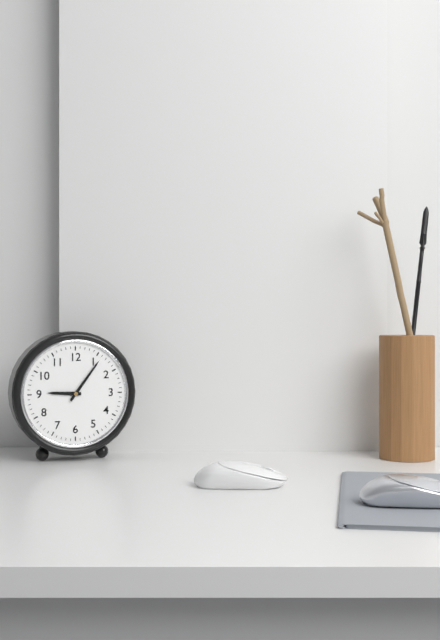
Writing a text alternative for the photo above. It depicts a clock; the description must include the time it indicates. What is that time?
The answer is 9:06
